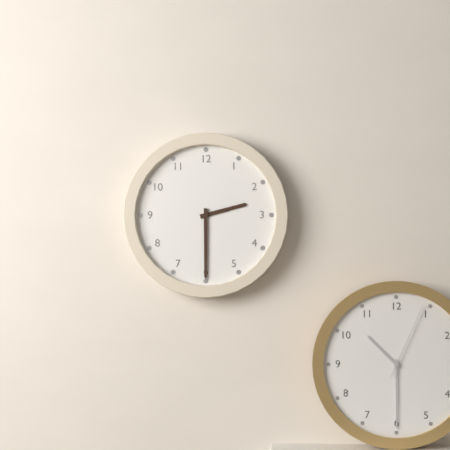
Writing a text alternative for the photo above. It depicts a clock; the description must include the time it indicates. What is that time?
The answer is 2:30
